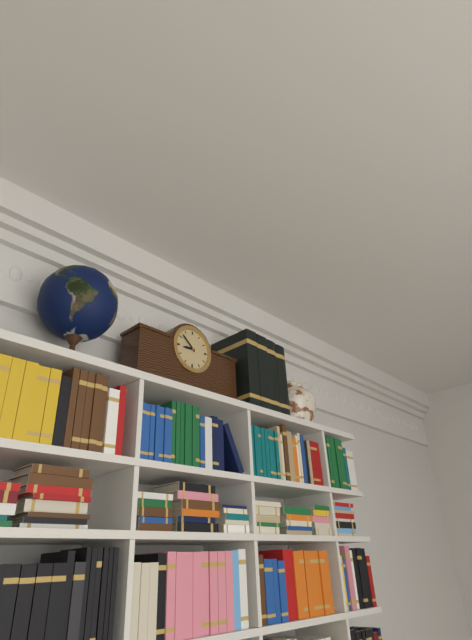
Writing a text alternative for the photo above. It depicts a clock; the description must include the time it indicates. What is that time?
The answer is 8:52
